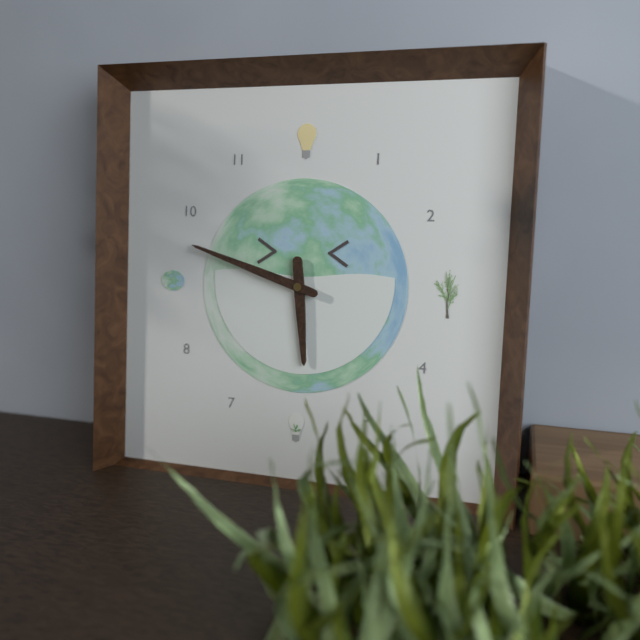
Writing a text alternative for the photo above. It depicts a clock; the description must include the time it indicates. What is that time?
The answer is 5:48
